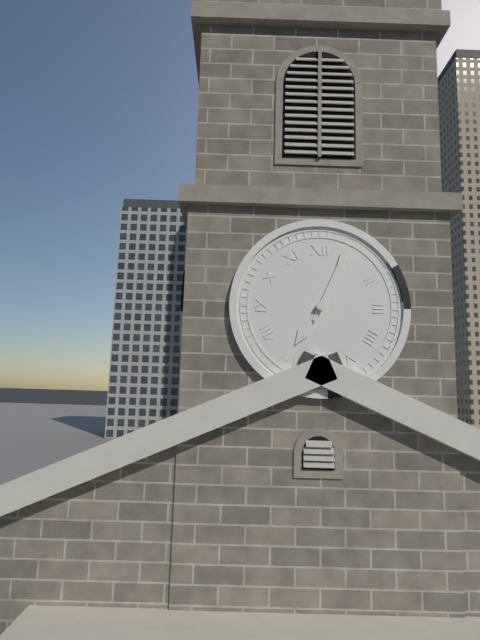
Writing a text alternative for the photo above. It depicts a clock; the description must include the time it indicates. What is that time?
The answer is 7:04
